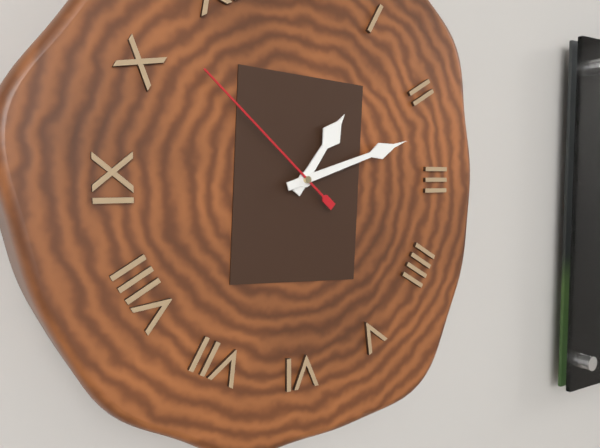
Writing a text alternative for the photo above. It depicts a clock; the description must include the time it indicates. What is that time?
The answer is 1:12:52
